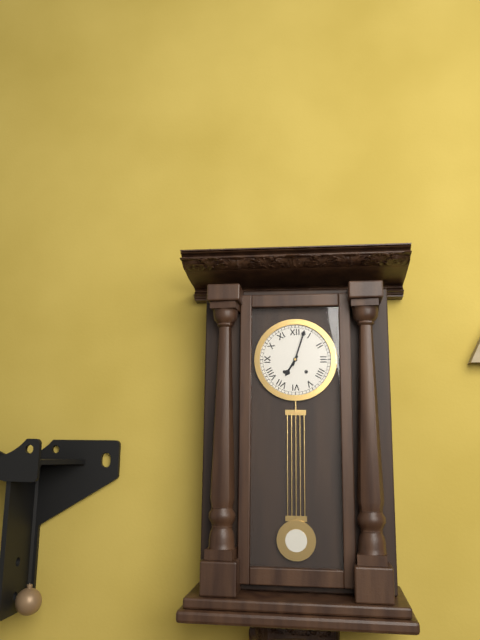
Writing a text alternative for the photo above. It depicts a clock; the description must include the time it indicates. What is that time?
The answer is 7:03
